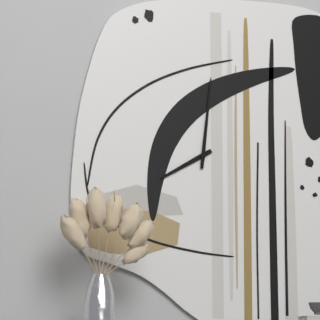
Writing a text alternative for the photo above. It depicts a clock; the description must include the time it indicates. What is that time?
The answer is 8:01
